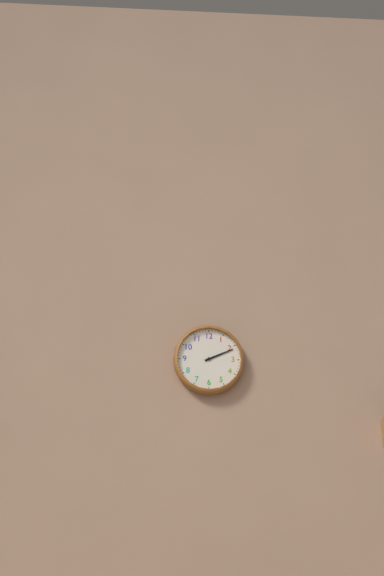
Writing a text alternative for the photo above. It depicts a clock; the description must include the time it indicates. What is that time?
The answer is 2:11
